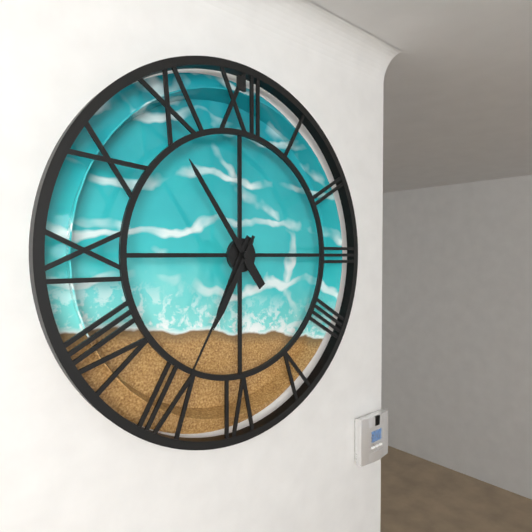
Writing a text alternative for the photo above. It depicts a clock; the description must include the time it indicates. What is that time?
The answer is 6:54:35
